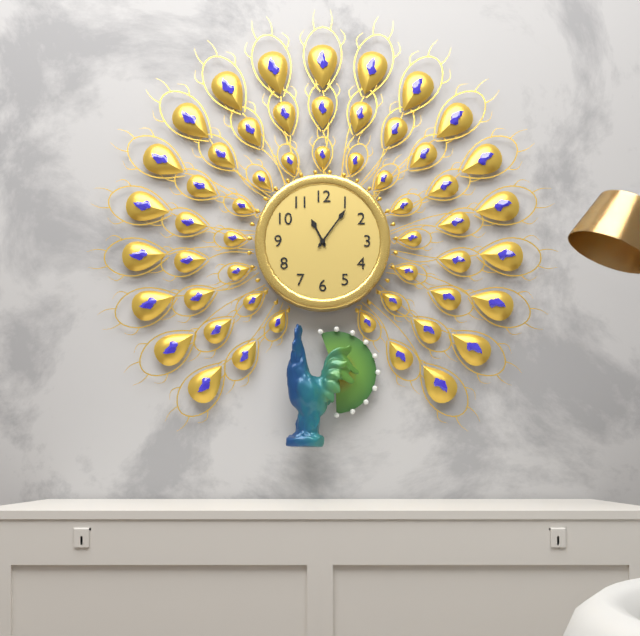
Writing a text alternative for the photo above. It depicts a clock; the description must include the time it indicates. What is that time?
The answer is 11:06
